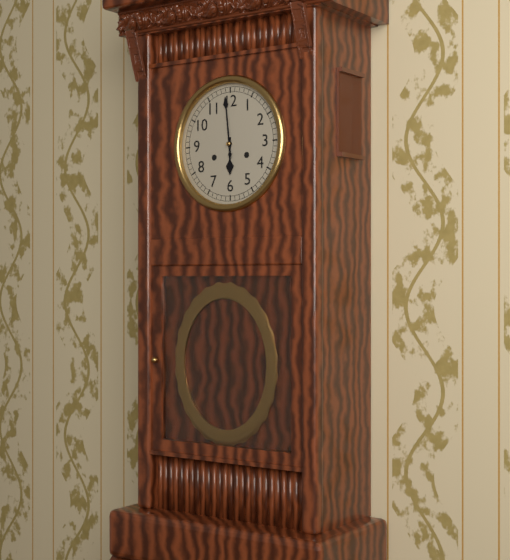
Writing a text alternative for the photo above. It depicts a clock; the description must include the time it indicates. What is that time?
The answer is 5:59
